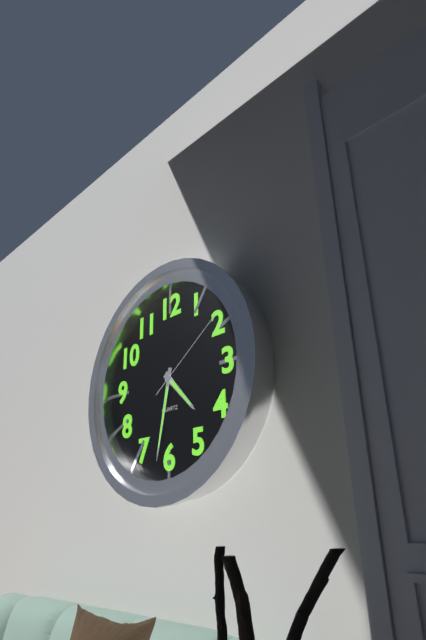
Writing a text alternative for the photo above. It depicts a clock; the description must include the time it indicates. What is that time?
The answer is 4:32:09
